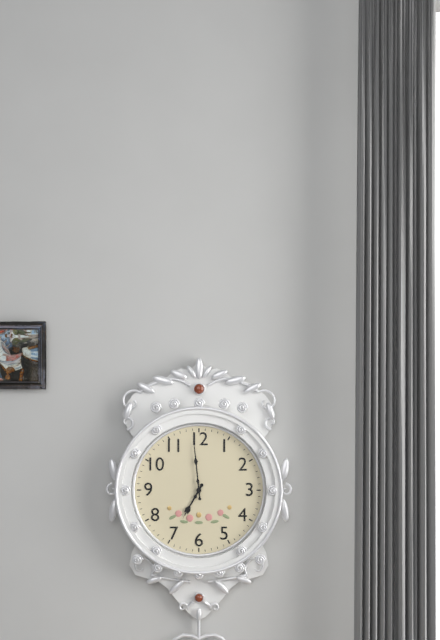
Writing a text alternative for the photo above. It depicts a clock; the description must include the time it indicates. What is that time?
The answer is 6:59
